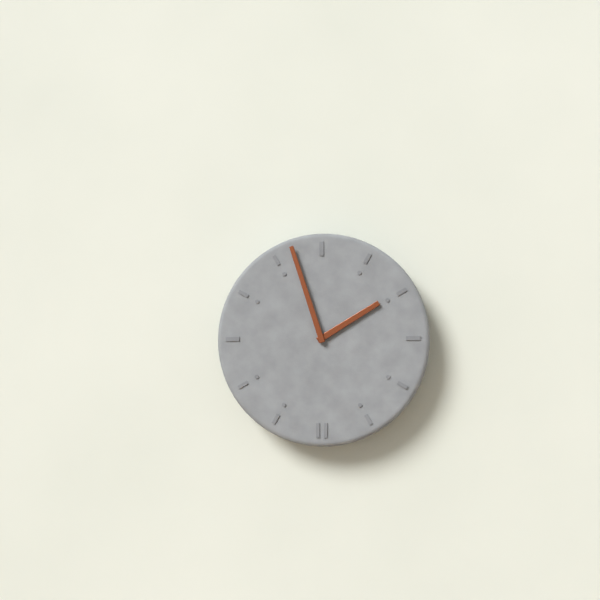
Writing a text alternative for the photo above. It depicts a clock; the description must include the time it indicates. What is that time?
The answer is 1:57
